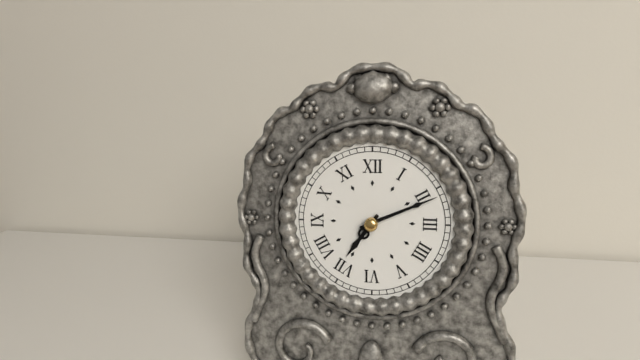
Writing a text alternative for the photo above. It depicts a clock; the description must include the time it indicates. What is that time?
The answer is 7:11
